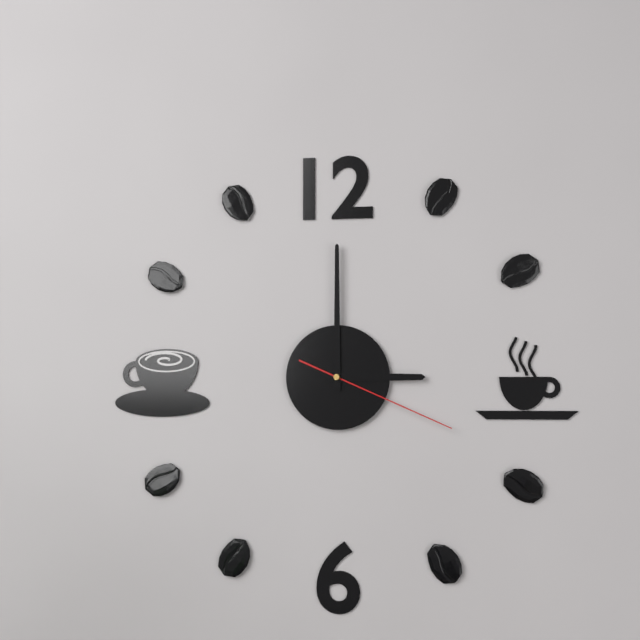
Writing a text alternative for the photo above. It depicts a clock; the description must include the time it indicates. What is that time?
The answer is 3:00:19
